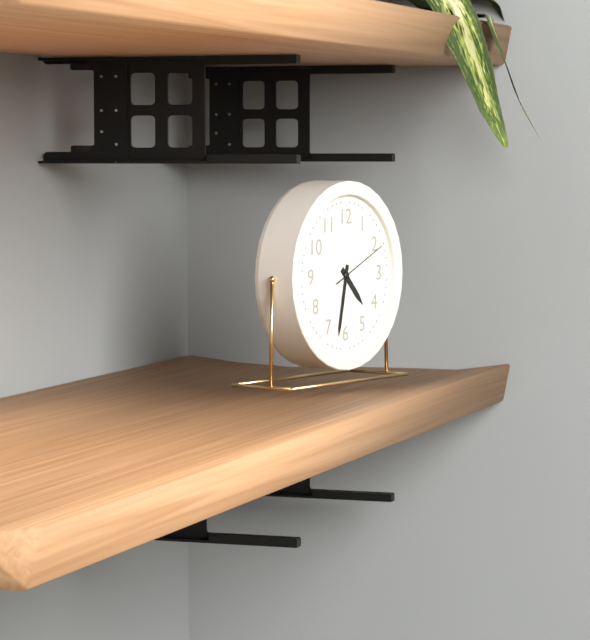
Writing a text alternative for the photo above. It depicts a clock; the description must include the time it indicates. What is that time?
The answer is 4:32:11
